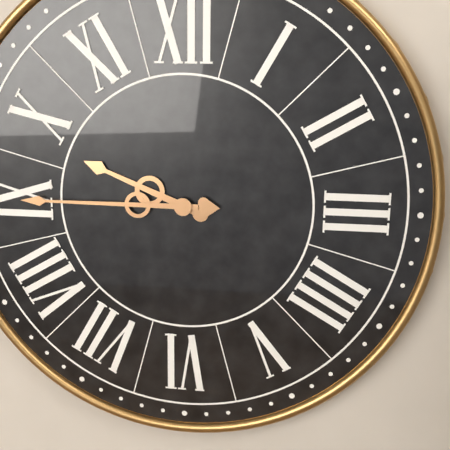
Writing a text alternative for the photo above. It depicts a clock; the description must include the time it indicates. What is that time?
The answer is 9:45
